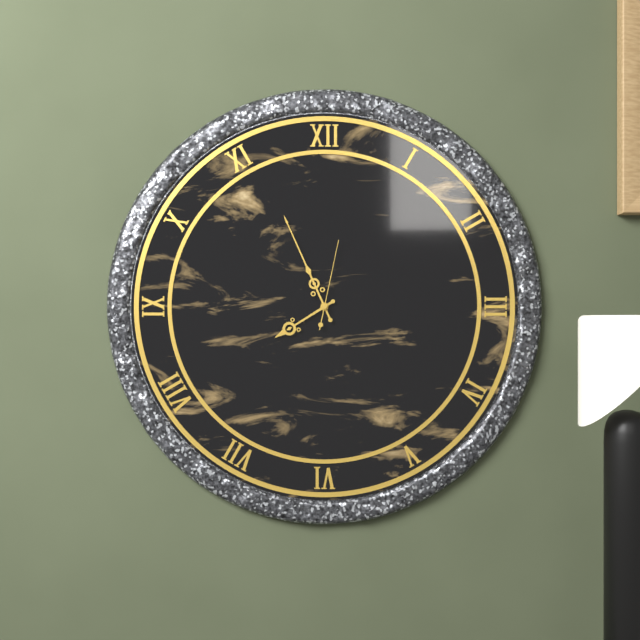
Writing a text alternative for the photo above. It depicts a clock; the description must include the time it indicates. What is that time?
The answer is 7:56:02
